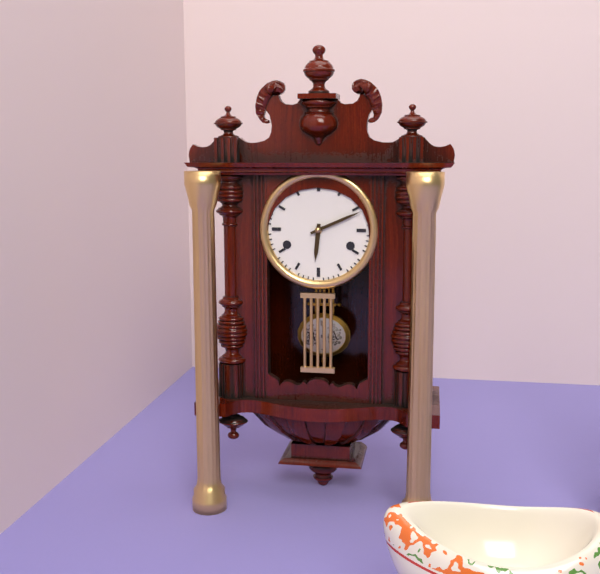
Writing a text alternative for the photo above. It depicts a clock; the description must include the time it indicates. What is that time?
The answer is 6:11
